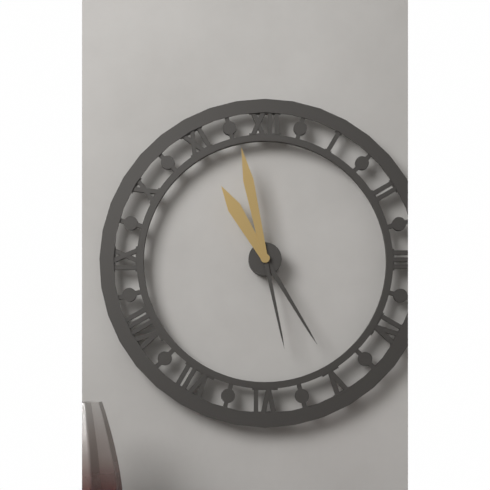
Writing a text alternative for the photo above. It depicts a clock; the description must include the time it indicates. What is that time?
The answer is 10:58
